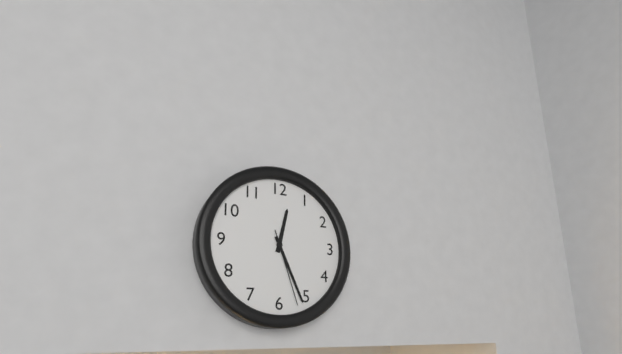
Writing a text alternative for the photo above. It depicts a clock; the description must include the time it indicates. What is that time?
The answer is 12:26:27
